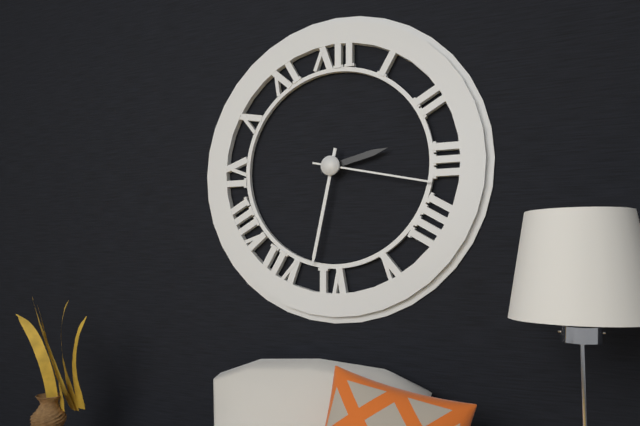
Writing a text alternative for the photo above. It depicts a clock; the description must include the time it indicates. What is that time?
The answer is 2:32:17
